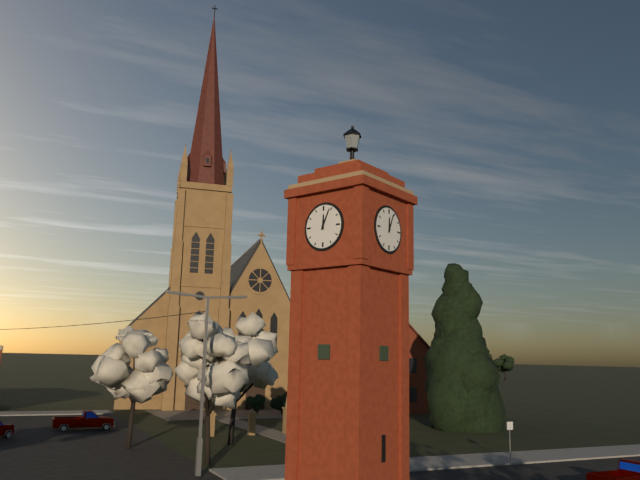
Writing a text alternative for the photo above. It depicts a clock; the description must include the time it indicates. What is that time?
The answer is 12:04
